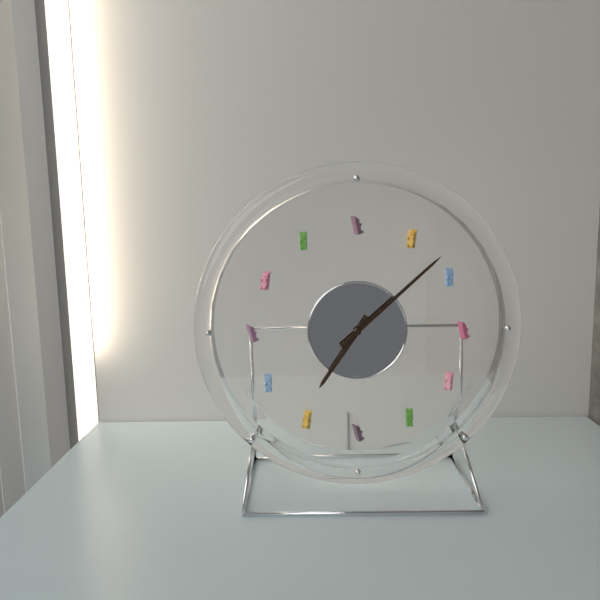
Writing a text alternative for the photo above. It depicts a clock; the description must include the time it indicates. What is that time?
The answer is 7:08
